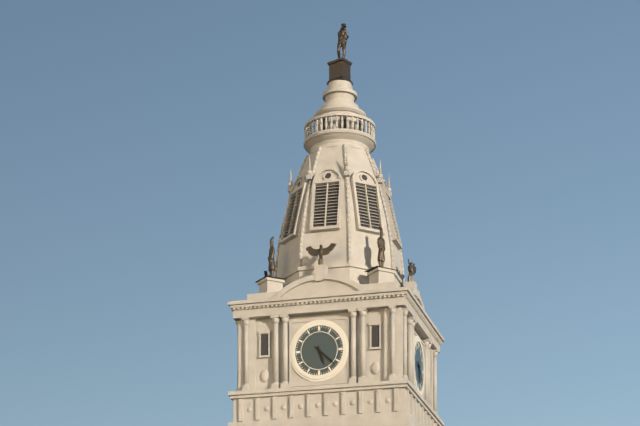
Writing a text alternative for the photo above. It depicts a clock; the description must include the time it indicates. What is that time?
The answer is 5:22
